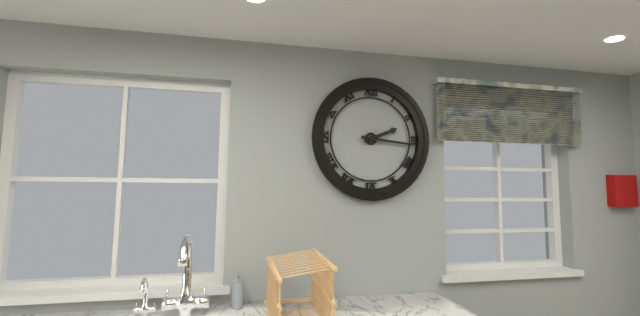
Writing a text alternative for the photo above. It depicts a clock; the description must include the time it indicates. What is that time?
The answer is 2:16
